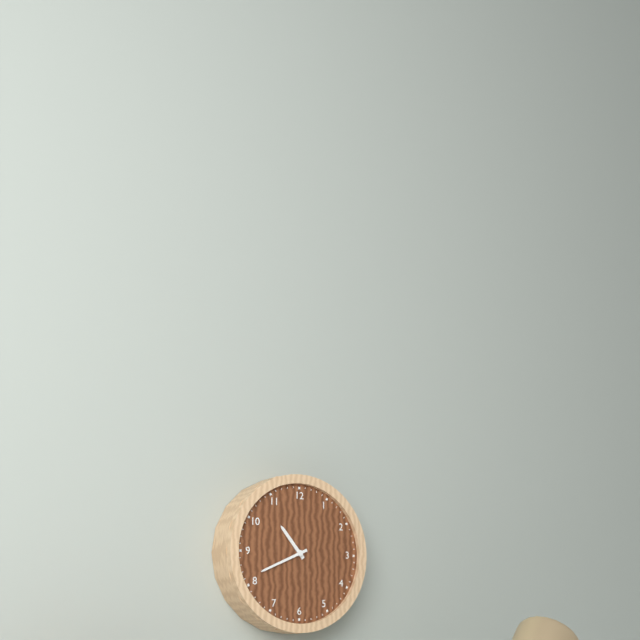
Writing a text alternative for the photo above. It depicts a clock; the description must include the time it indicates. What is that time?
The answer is 10:41
